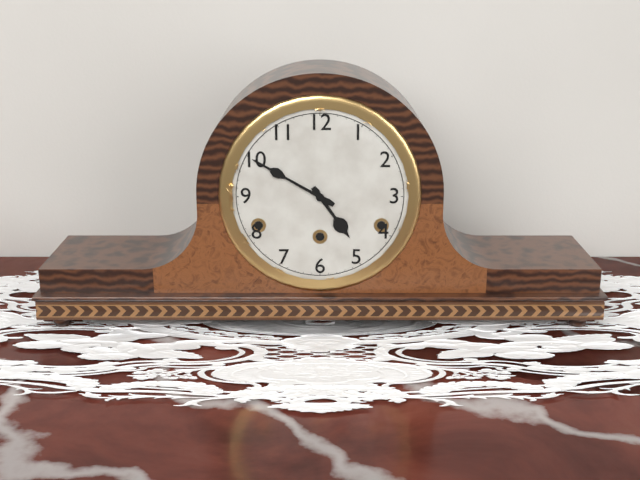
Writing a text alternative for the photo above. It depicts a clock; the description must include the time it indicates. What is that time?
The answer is 4:50
